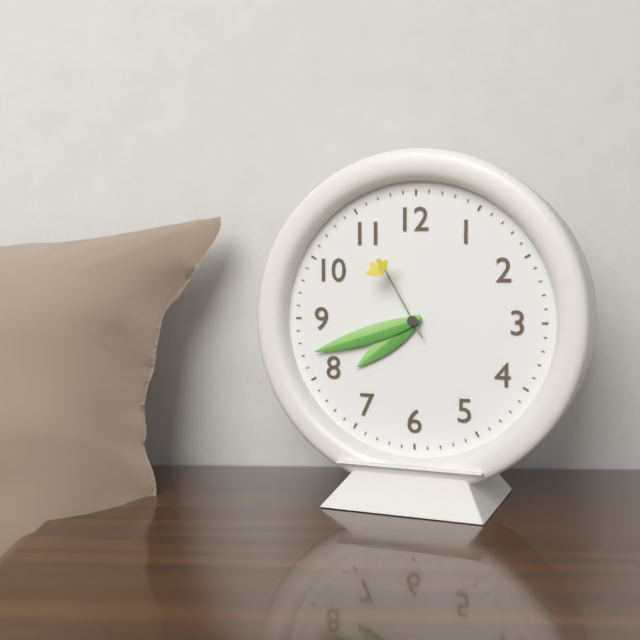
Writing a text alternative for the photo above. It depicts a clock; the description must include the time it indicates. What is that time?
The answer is 7:42:55
